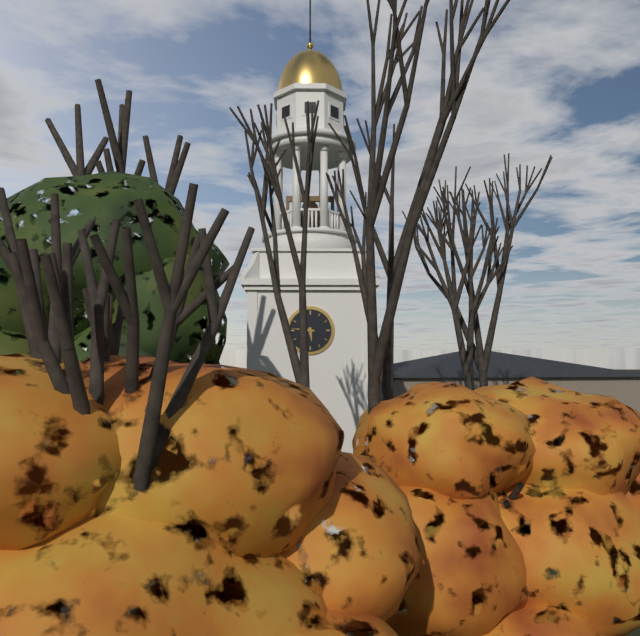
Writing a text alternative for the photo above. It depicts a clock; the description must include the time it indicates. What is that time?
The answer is 5:46
